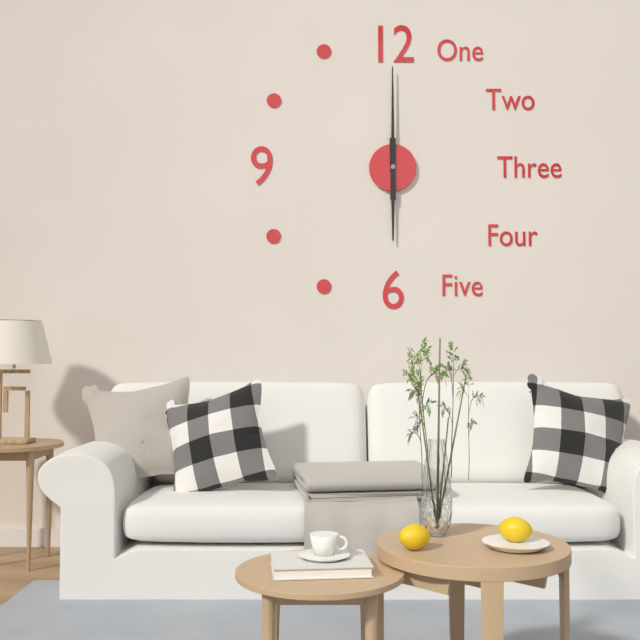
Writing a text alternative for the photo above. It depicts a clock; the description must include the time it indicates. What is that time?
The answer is 6:00
